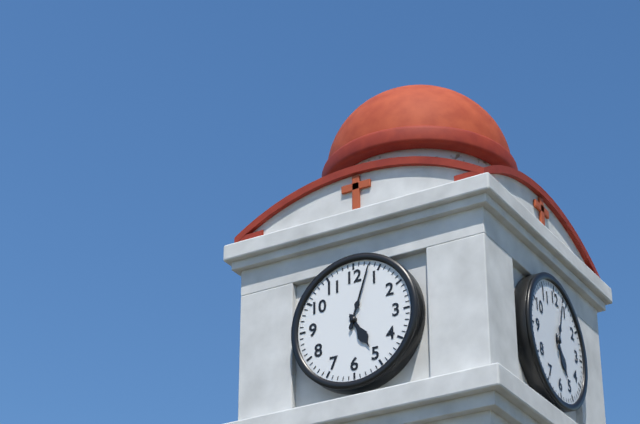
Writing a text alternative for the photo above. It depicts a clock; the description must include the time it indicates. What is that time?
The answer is 5:03
